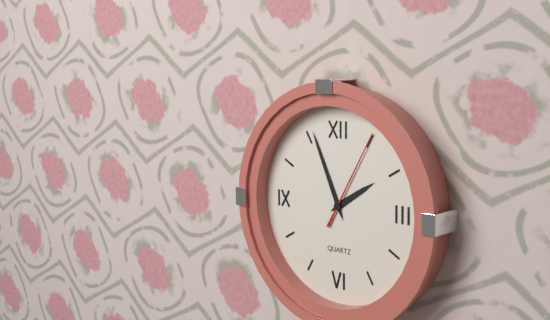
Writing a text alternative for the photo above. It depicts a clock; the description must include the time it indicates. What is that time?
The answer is 1:56:05
